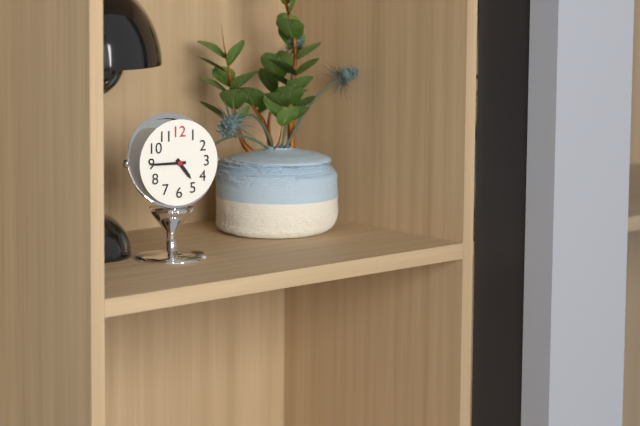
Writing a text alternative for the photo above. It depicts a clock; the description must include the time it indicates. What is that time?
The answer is 4:45
